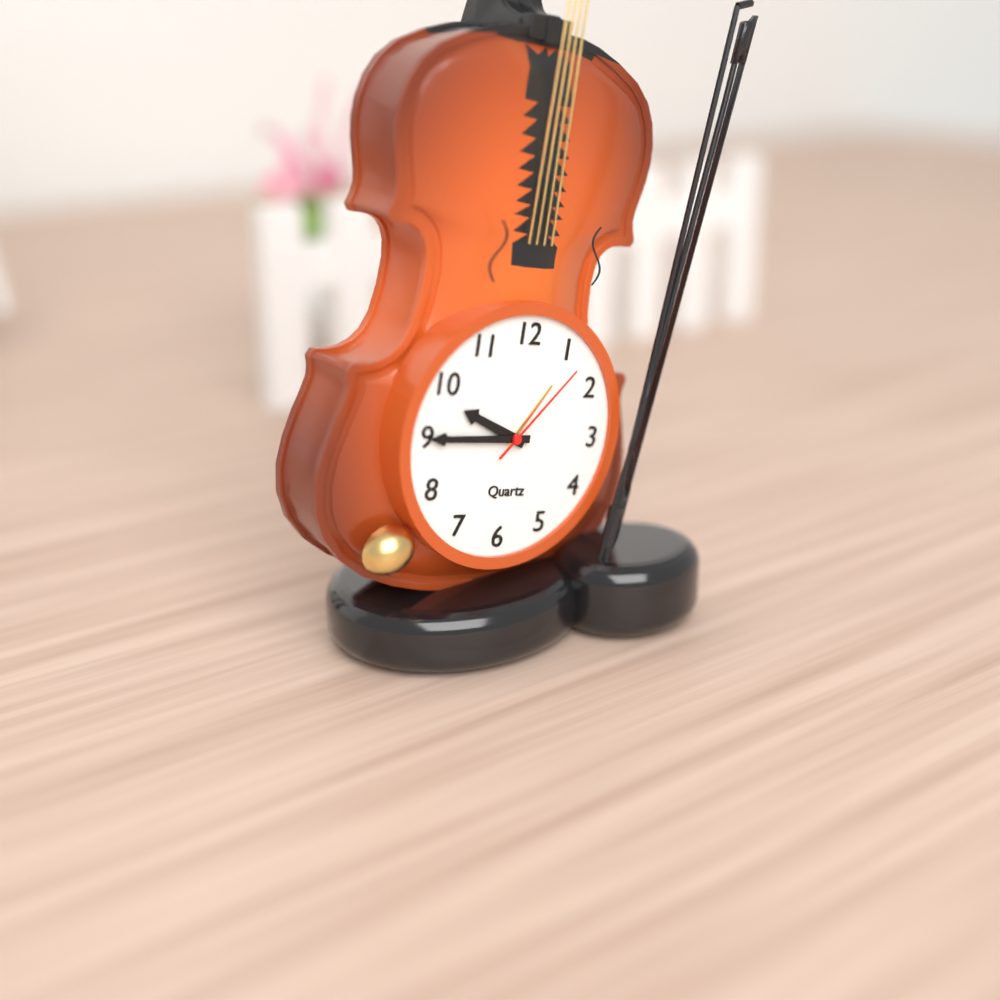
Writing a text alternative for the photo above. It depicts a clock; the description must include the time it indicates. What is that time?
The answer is 9:45:07
